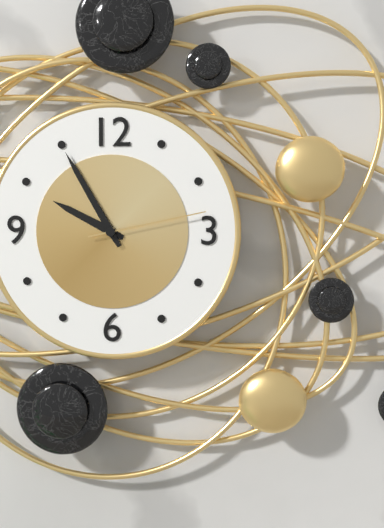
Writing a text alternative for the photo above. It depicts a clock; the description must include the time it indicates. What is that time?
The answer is 9:55:13
